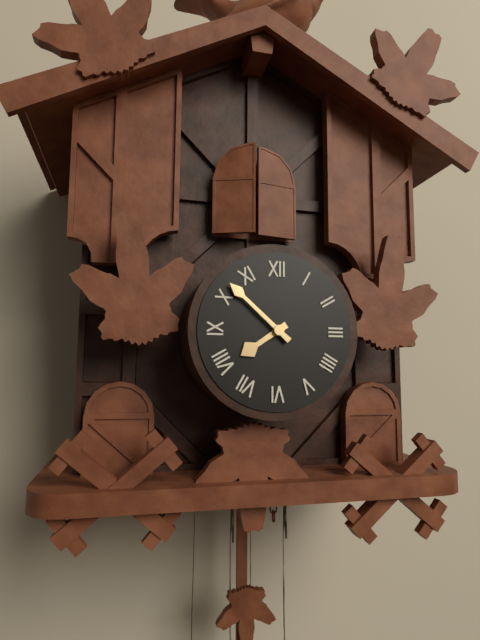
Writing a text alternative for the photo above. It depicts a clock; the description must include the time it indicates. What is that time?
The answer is 7:52
